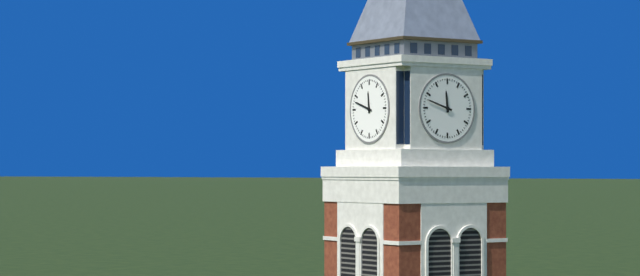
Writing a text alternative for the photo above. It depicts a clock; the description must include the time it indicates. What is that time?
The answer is 11:48
